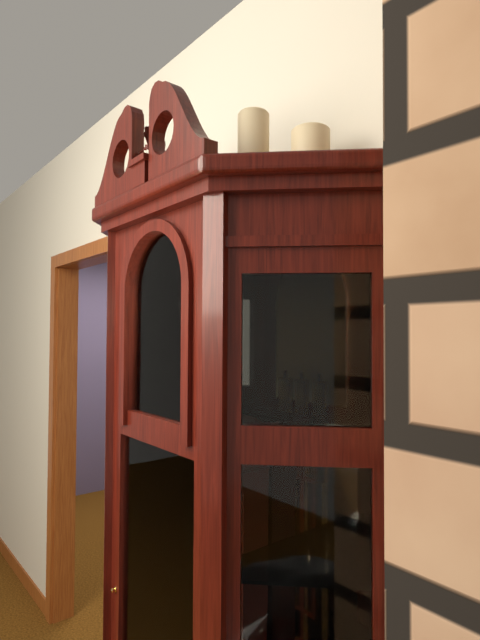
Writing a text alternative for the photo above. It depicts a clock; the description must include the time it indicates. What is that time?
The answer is 5:39
